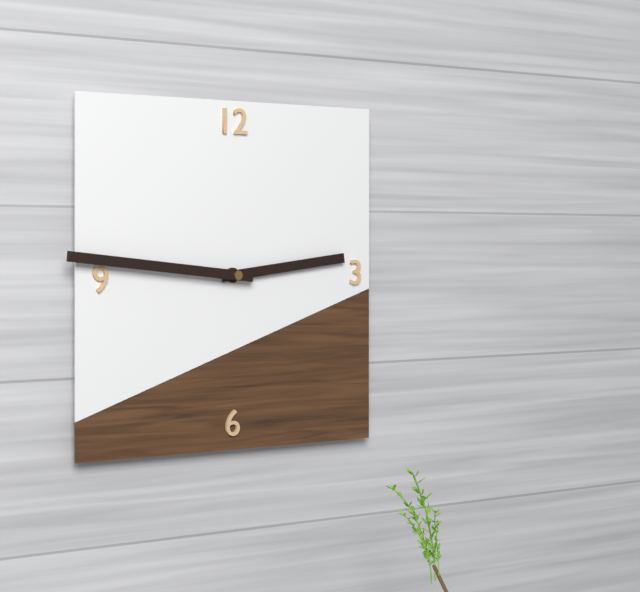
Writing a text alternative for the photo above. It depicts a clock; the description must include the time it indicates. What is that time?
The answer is 2:46
